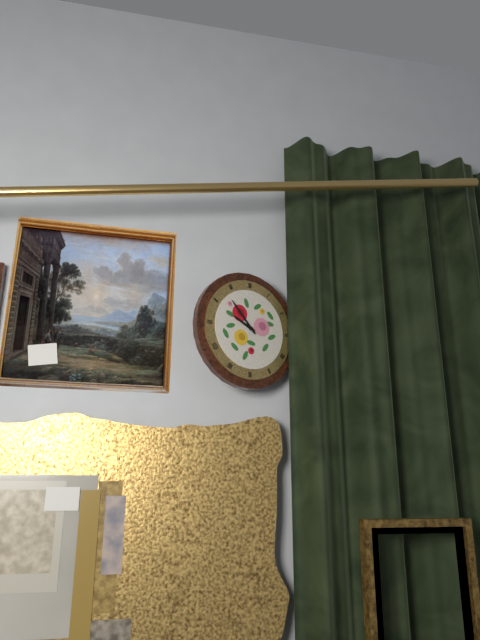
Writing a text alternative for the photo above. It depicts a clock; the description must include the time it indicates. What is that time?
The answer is 9:53
